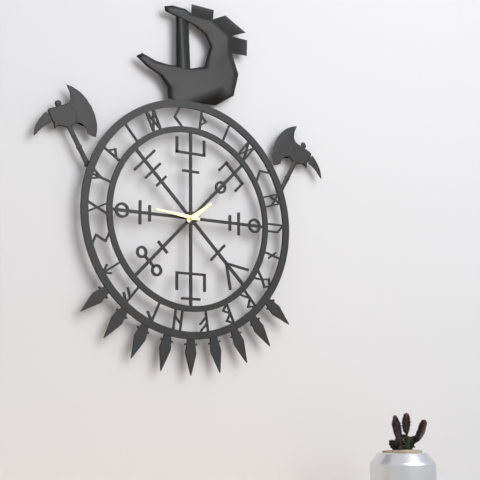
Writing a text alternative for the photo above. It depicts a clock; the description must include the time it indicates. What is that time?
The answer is 1:46
